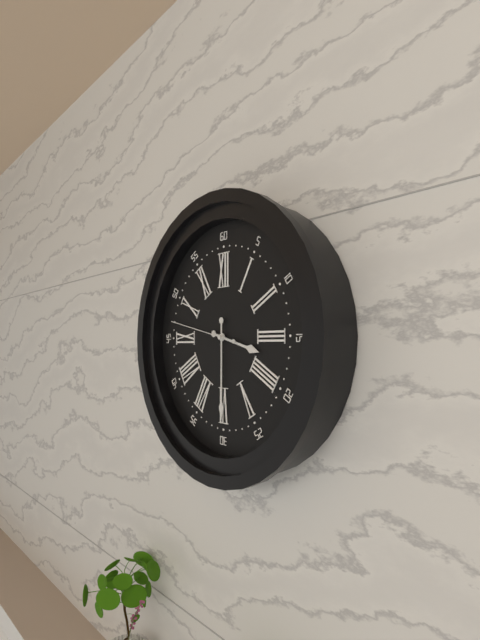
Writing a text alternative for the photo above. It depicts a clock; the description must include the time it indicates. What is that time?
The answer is 3:30:47
